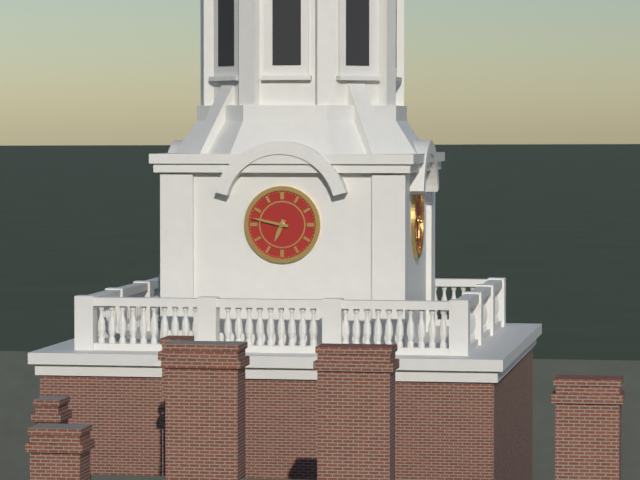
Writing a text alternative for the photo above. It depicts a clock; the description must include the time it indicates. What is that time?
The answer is 6:47
